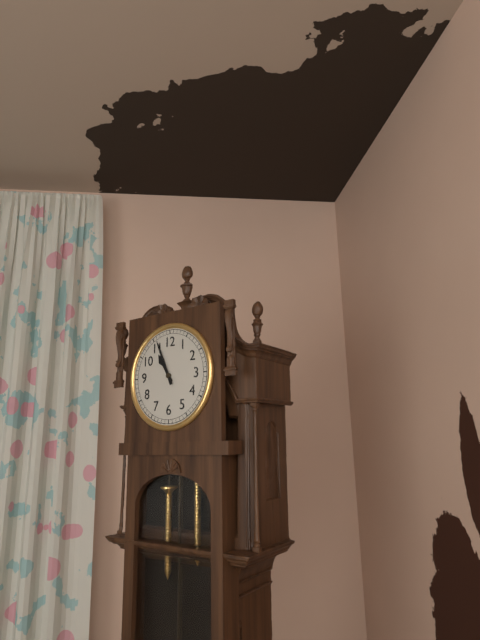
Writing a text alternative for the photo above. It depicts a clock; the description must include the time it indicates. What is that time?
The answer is 10:56
